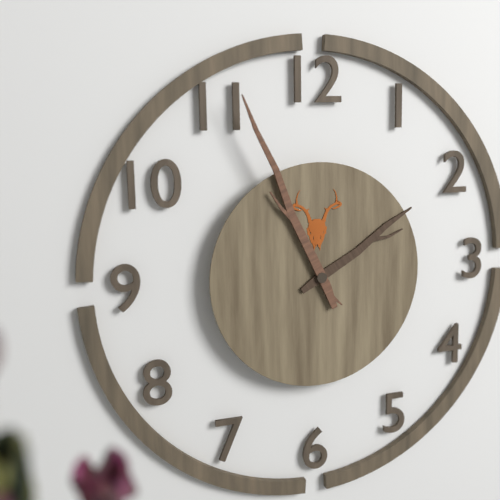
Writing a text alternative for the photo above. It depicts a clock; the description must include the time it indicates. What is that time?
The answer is 1:56
